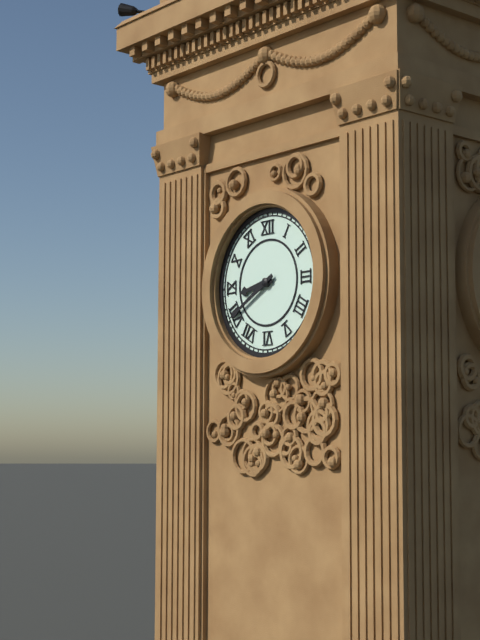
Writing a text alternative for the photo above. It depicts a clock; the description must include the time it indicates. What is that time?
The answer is 8:40
